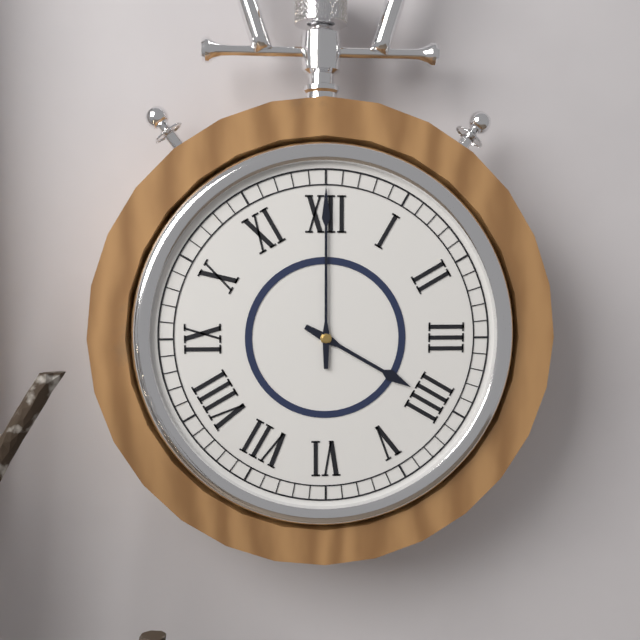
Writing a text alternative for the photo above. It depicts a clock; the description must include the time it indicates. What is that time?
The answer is 4:00
